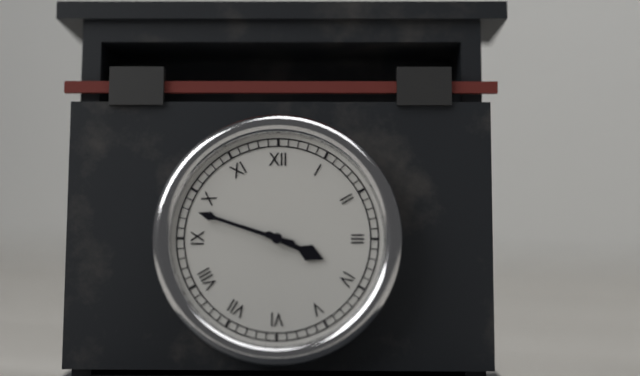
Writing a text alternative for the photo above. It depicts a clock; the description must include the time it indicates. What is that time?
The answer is 3:48
